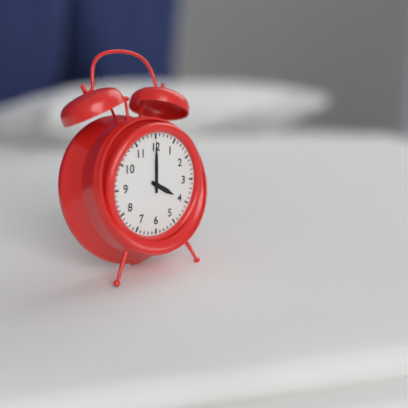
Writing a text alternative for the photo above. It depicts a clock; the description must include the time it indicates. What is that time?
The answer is 4:00
